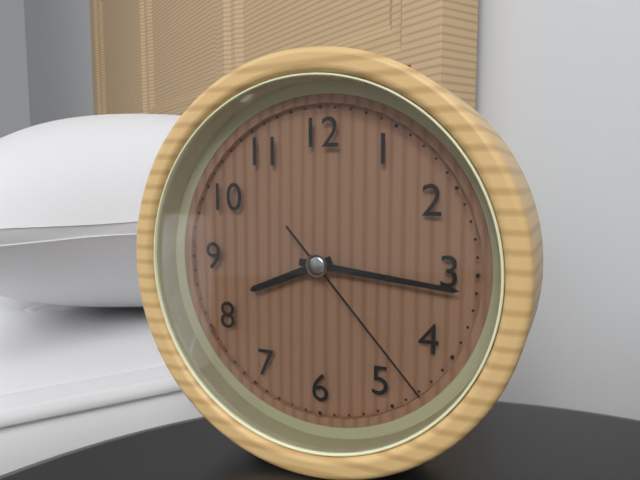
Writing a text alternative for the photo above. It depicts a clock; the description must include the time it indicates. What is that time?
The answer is 8:16:23
